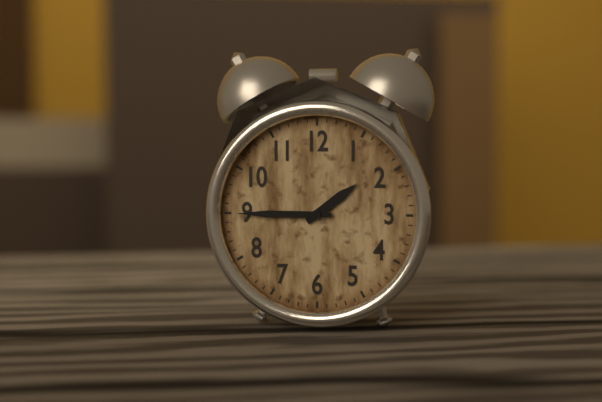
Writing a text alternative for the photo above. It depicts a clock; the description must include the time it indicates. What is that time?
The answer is 1:45
